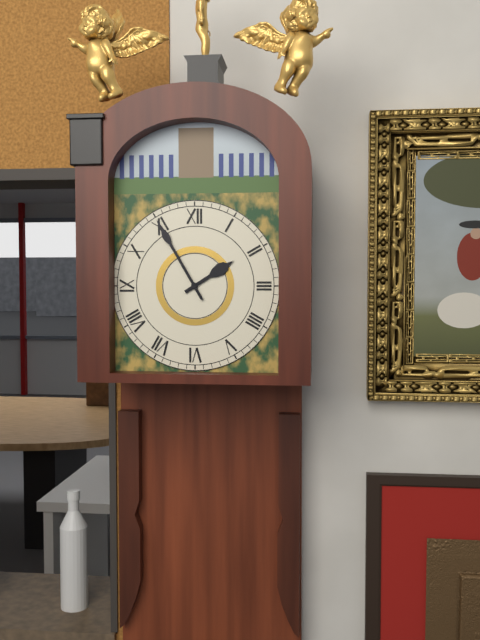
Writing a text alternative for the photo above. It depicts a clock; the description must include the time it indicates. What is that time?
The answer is 1:55
